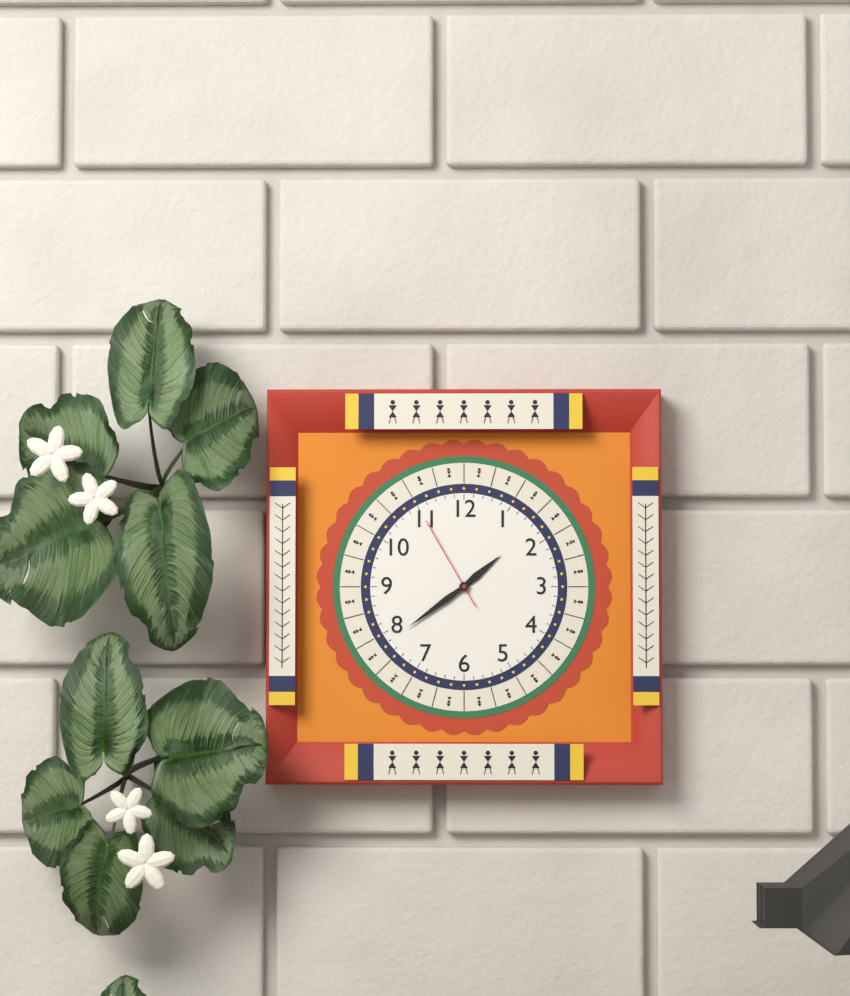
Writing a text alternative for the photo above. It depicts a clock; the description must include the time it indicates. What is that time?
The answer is 1:39:55
